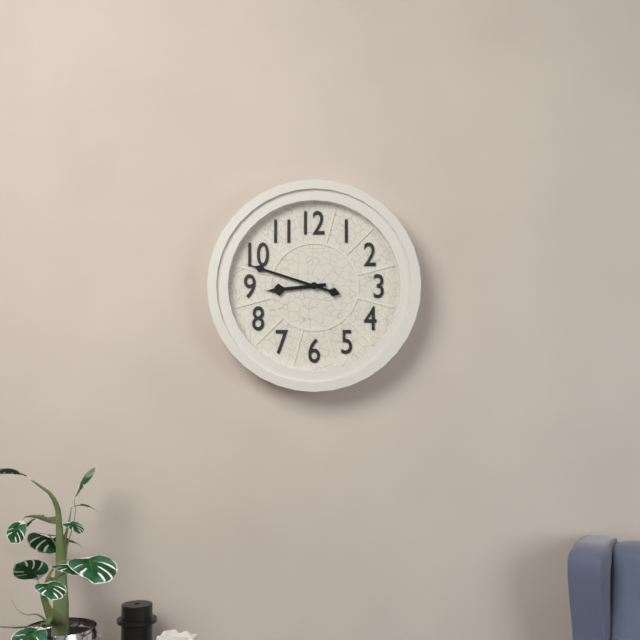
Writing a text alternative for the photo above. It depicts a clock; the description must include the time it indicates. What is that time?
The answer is 8:48
